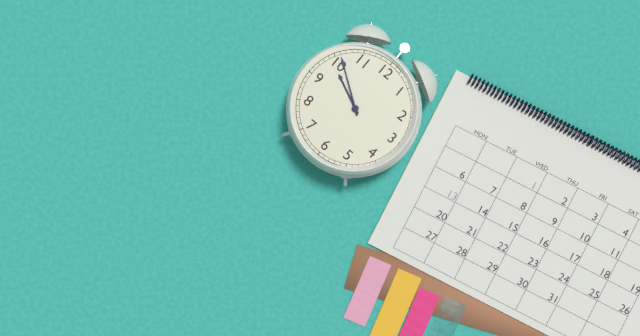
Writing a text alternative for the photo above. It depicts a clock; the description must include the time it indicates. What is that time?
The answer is 9:51
